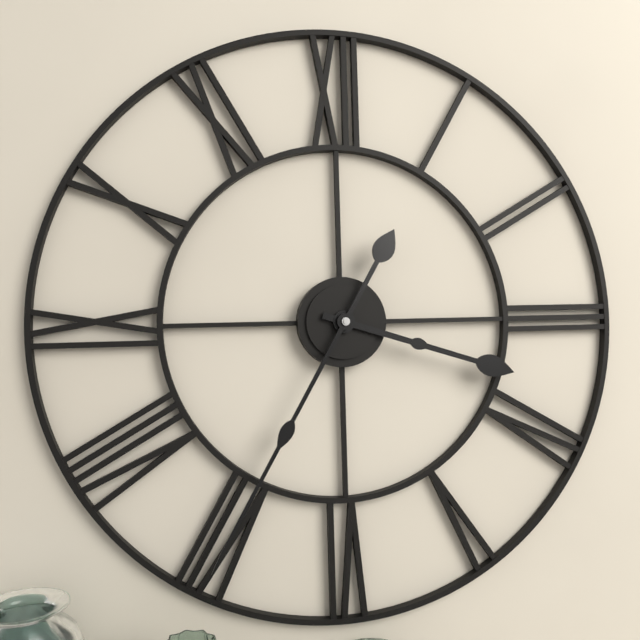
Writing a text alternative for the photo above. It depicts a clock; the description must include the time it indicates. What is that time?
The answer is 3:35
